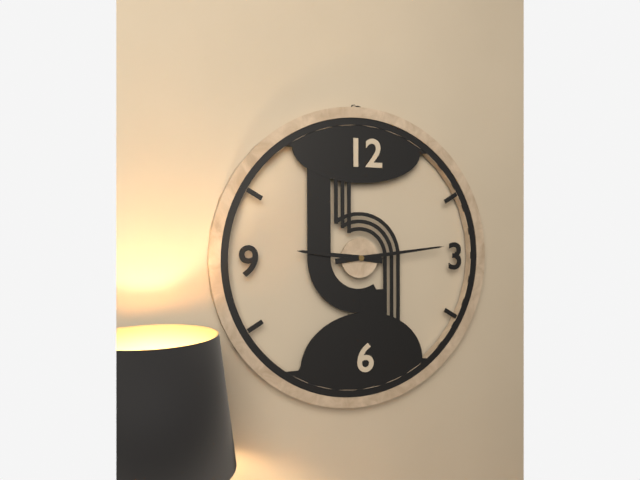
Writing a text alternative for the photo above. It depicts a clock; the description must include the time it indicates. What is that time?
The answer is 9:14
